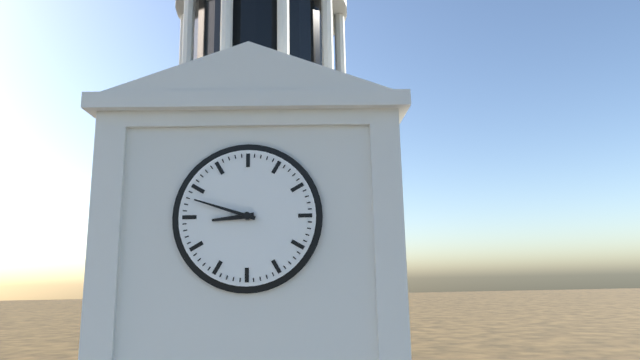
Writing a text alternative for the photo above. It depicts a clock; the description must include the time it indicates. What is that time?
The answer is 8:48
